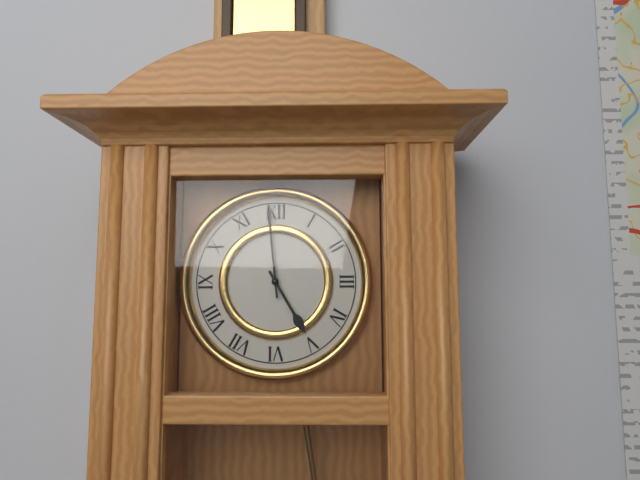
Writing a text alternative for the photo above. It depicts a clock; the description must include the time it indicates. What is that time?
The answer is 4:59
